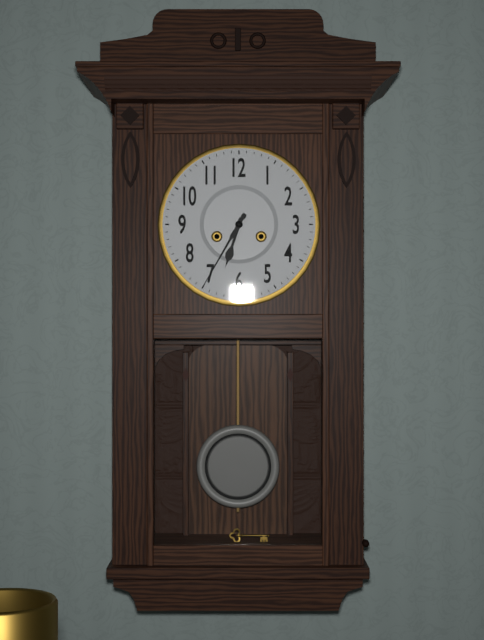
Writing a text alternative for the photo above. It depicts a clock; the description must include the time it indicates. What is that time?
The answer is 6:35
